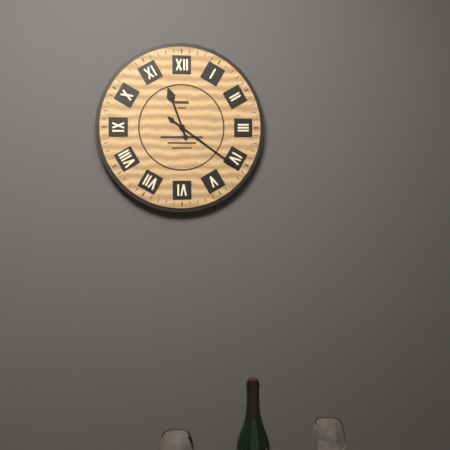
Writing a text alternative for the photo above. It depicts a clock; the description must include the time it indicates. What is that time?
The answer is 11:21
